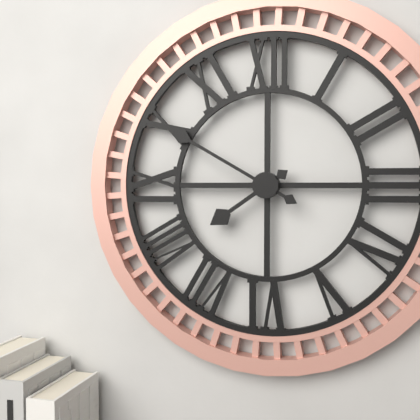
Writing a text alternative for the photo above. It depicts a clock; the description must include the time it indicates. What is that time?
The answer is 7:50
